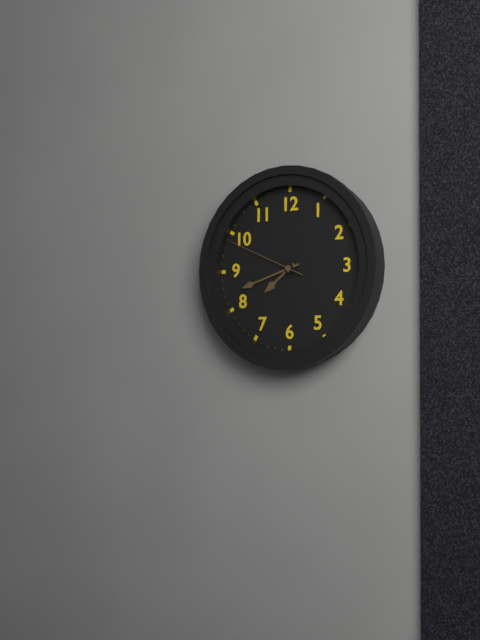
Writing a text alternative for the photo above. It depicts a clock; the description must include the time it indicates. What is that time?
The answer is 7:42:49
